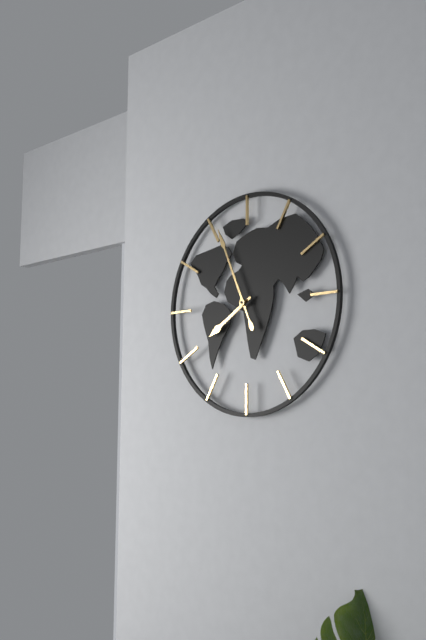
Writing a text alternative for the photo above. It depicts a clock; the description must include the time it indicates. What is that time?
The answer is 7:56
